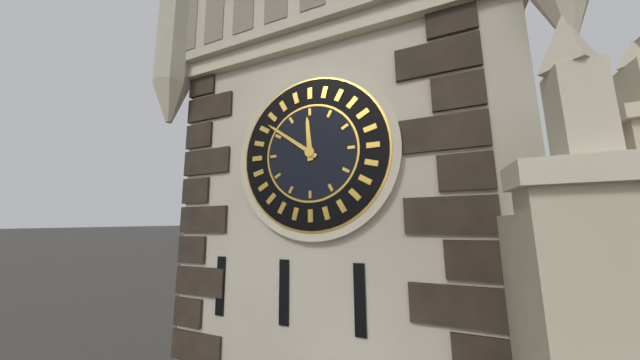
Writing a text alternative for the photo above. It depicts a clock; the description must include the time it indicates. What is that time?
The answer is 11:51
